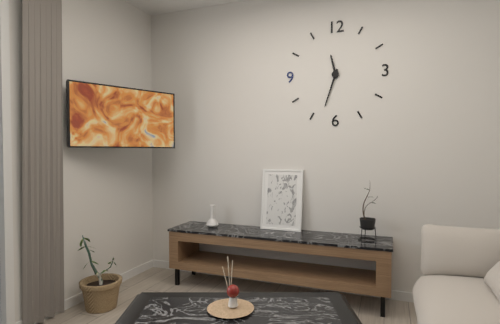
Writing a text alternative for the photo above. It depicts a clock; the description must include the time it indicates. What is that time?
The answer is 11:33
